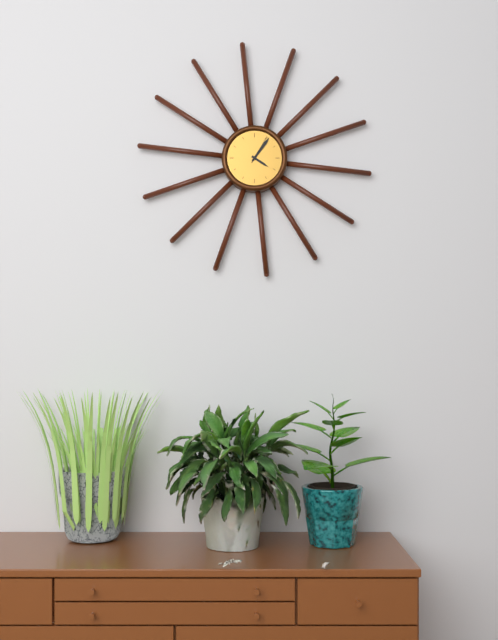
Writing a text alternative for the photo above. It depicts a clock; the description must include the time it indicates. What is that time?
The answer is 4:06
